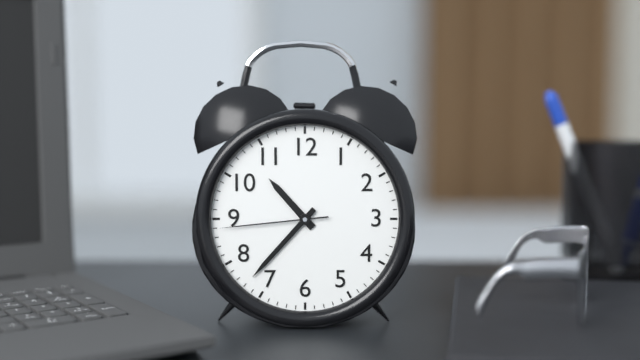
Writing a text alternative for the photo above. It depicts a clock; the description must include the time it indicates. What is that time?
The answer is 10:37:44
